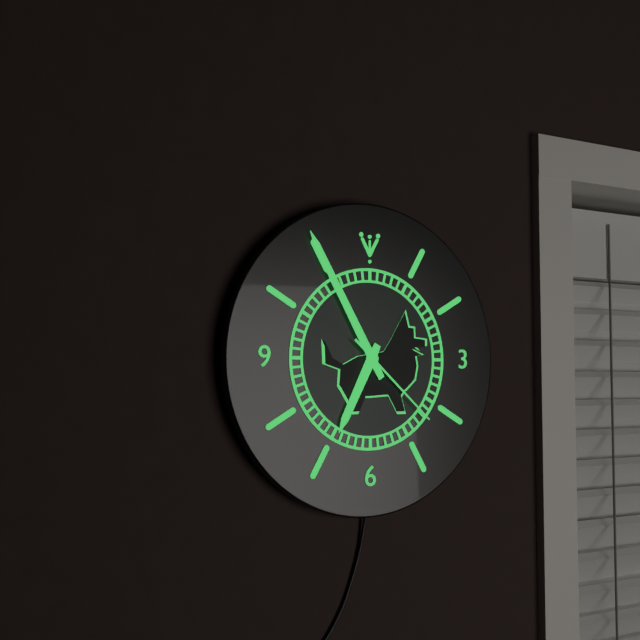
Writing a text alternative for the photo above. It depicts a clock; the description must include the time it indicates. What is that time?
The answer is 6:55:22
